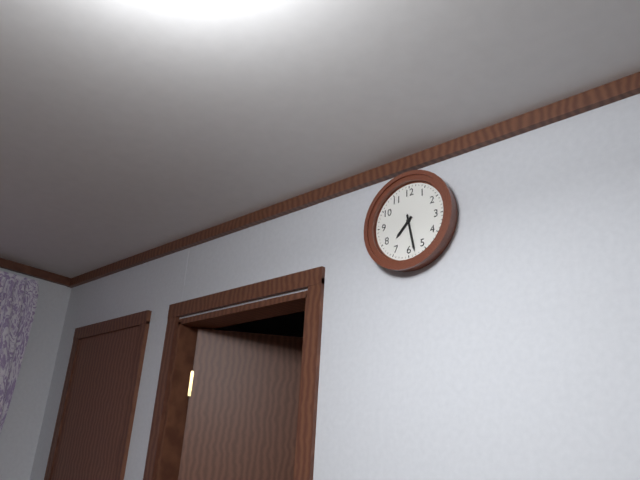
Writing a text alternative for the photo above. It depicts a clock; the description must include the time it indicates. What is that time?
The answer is 7:28
